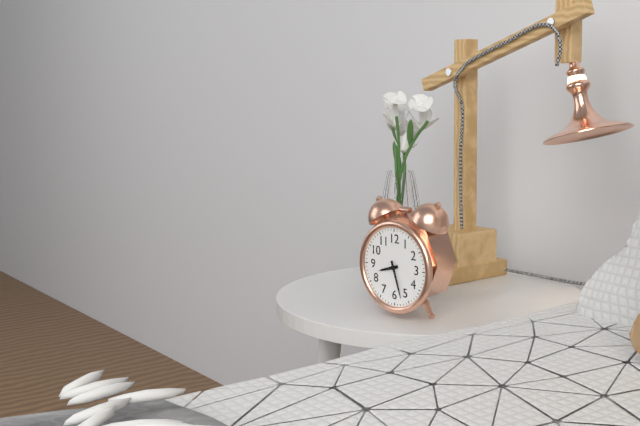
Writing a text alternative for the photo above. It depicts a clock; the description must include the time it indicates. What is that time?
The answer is 8:27
